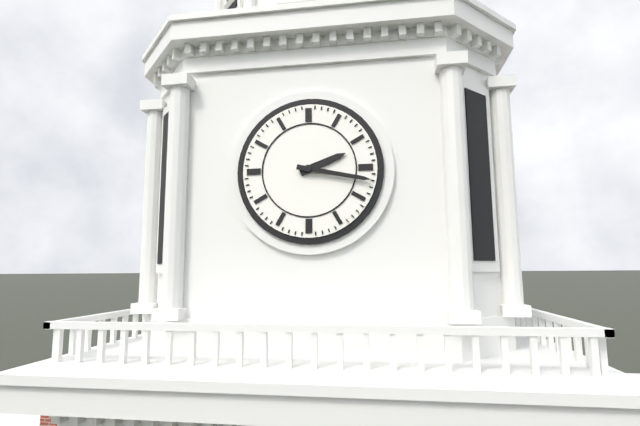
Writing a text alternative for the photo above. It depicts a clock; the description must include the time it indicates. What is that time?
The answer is 2:17
